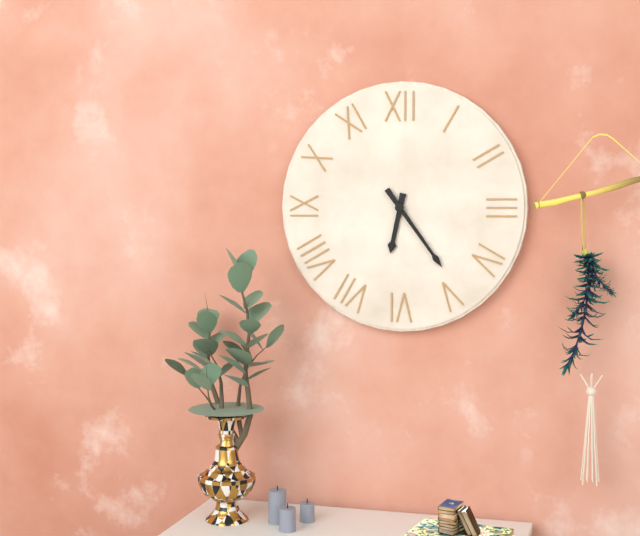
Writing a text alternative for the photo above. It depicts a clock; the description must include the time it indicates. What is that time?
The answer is 6:24
